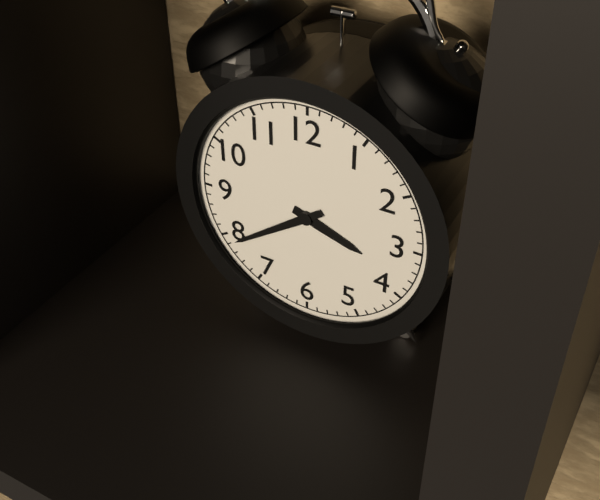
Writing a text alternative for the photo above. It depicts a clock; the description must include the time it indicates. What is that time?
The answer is 3:39
